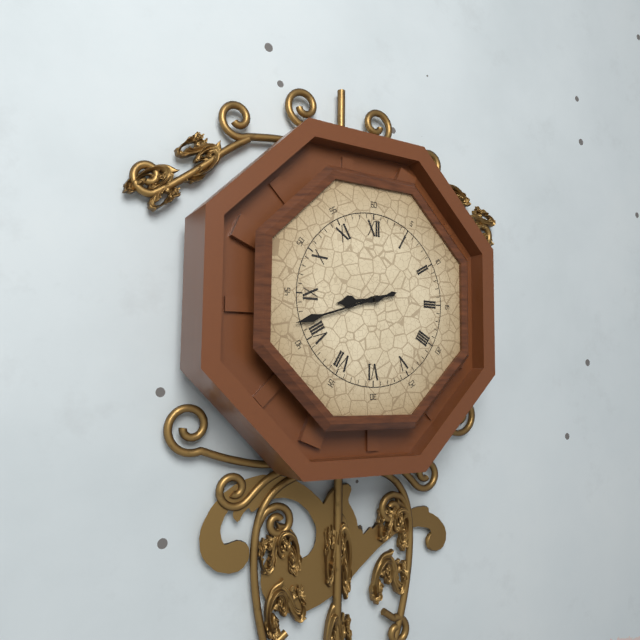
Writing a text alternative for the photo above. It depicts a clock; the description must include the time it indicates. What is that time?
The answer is 8:42
